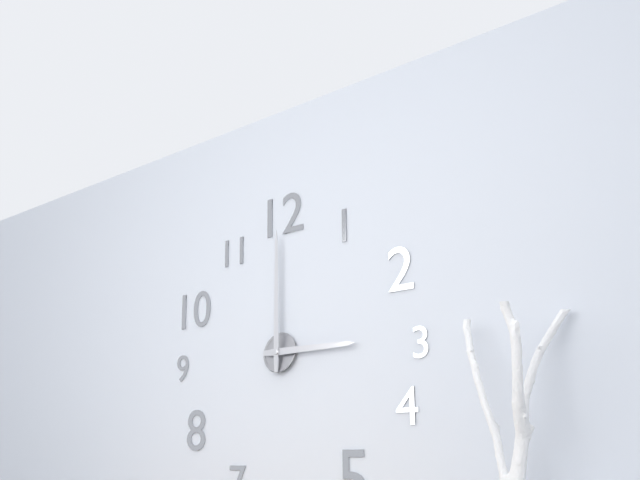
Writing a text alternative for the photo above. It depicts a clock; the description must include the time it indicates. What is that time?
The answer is 3:00
